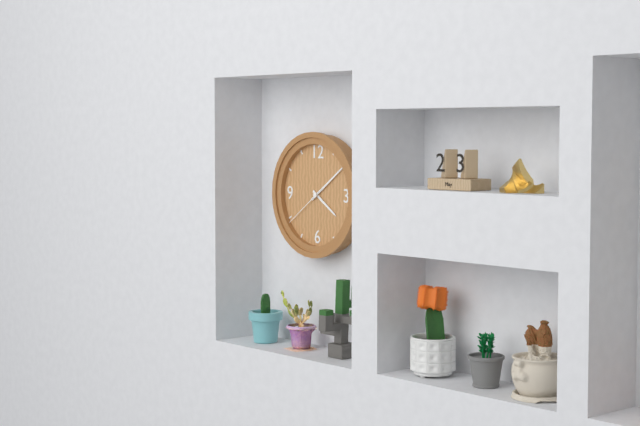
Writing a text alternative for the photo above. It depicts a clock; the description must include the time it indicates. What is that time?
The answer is 4:09
